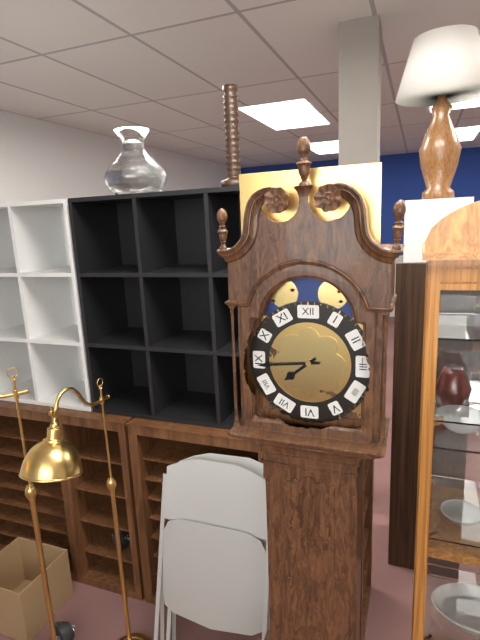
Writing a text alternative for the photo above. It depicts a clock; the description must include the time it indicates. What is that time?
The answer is 7:44
